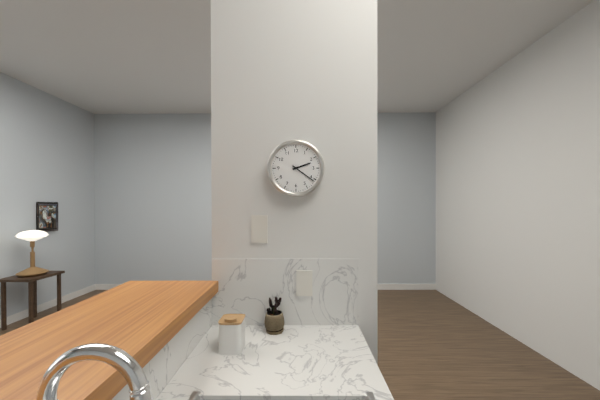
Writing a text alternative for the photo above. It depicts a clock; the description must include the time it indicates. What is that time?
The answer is 2:21
